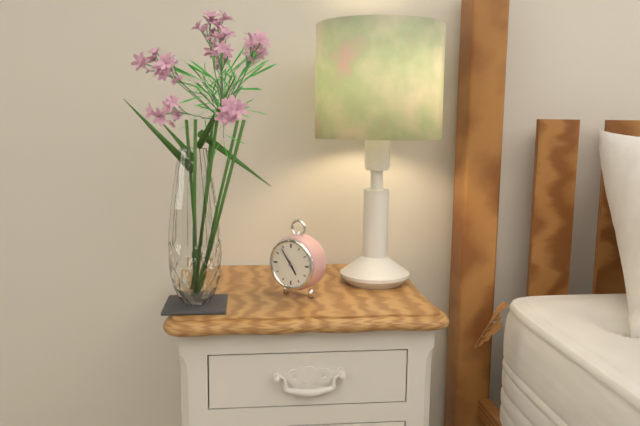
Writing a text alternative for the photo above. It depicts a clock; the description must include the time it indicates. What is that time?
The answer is 4:54
